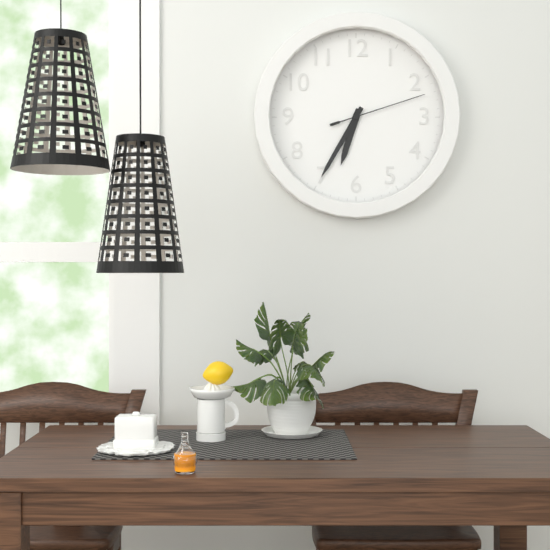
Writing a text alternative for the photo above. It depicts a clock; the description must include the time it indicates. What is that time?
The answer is 6:35:12
